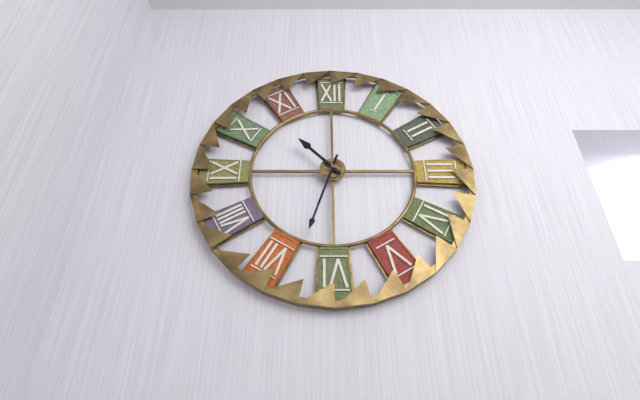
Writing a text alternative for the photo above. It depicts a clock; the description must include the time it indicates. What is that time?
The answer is 10:33
